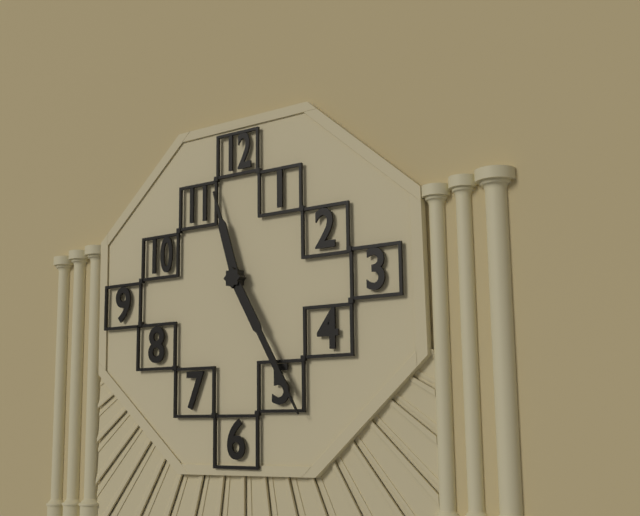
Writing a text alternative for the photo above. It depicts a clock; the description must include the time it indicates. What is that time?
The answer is 11:25
